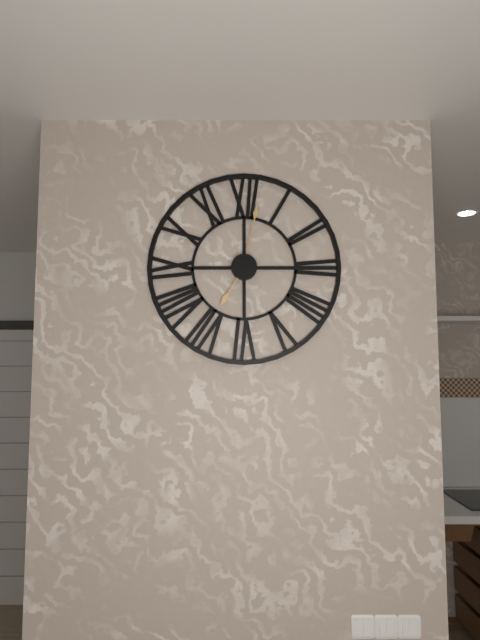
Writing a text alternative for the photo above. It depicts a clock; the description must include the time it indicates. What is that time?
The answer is 7:02
